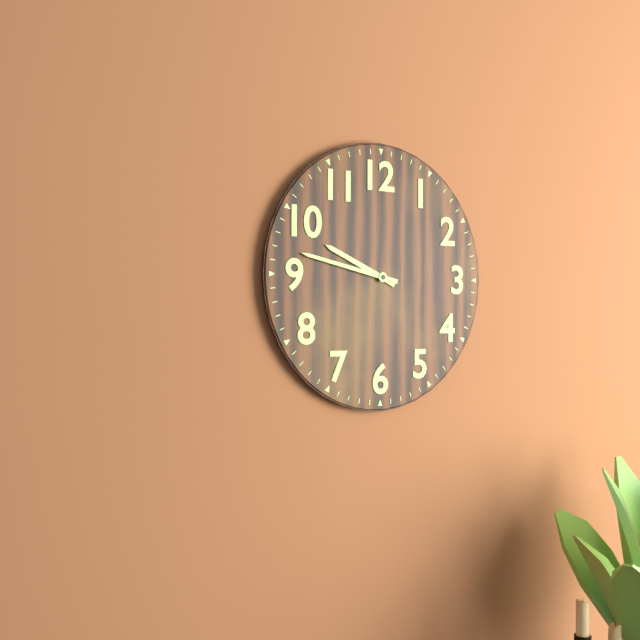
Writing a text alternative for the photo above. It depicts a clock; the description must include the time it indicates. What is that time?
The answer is 9:47
